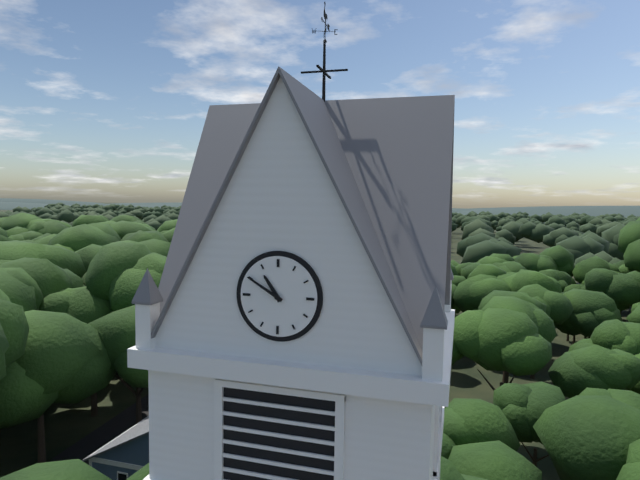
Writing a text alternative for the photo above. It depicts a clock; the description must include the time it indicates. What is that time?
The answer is 10:50
